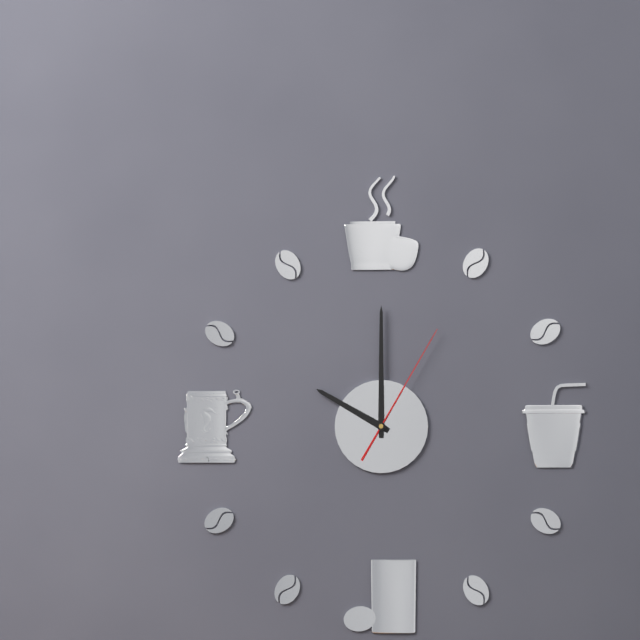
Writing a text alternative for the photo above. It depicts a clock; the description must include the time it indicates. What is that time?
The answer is 10:00:05
